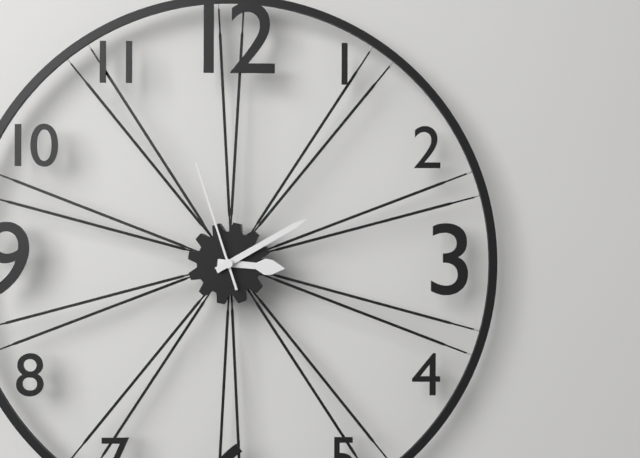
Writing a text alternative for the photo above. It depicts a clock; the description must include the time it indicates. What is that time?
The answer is 3:10:57
